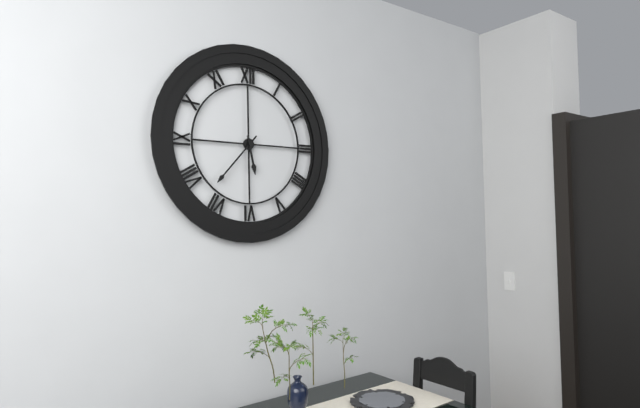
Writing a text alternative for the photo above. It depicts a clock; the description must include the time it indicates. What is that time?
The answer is 5:37
